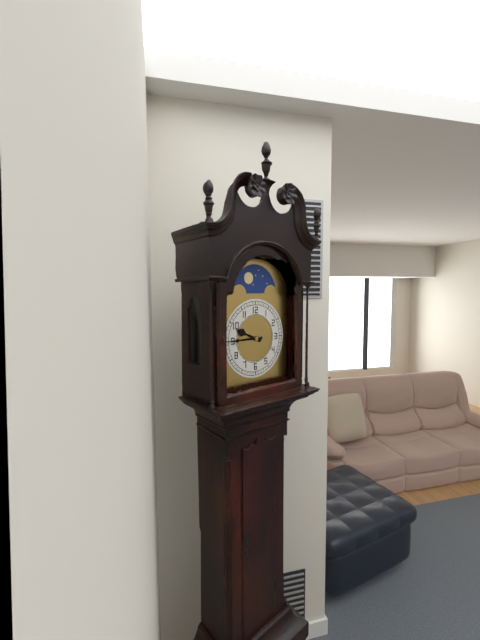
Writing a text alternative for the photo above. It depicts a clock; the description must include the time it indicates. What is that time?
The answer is 9:45
